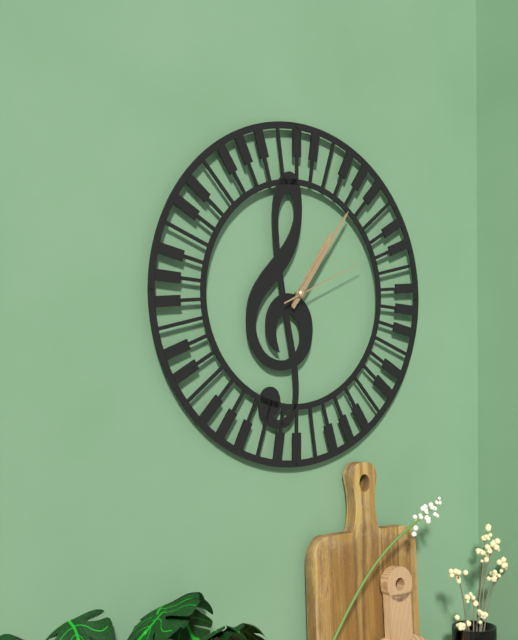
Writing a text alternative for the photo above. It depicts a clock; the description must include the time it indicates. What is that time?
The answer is 1:06:11
